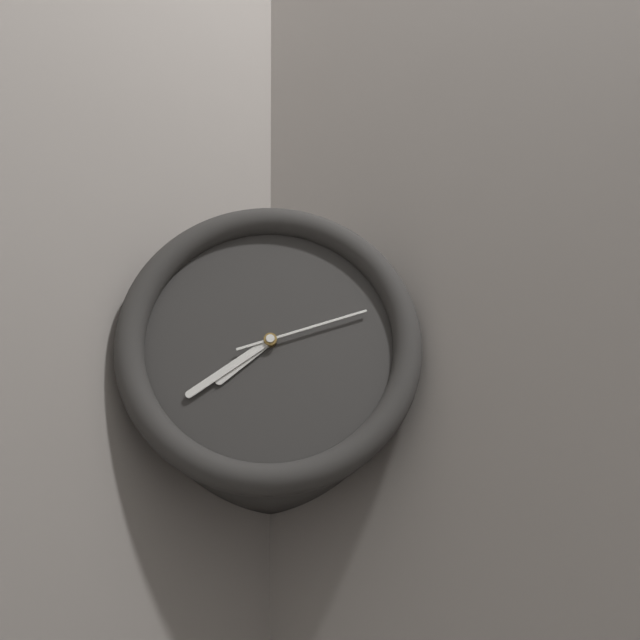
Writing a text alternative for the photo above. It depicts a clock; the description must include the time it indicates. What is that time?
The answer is 7:39:12
